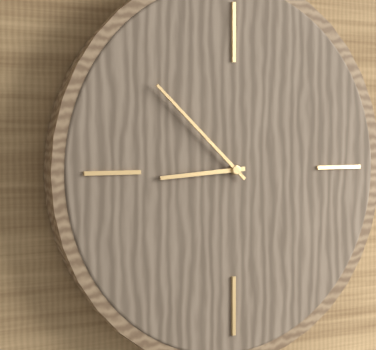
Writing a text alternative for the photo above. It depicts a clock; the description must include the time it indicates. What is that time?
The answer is 8:52
